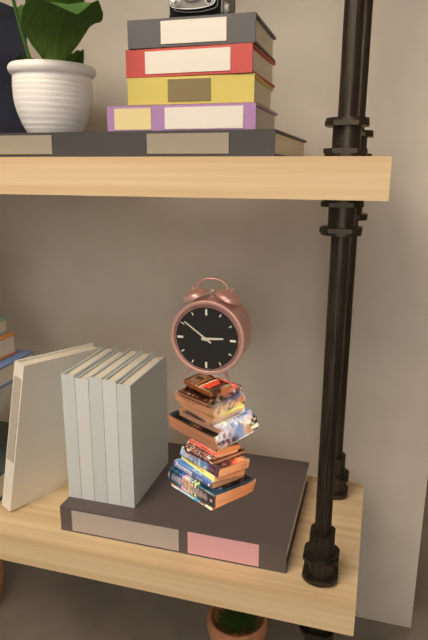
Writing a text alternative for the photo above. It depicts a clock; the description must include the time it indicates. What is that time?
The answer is 2:51
